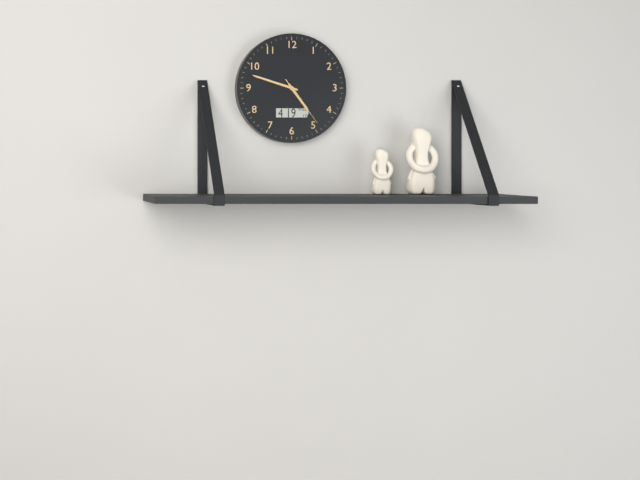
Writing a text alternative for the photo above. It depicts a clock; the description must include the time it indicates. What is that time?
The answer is 4:48:24
